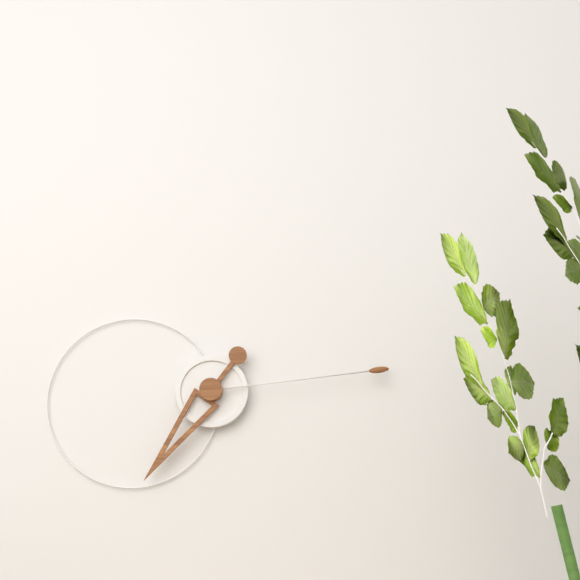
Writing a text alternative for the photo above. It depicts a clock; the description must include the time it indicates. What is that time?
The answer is 7:14
